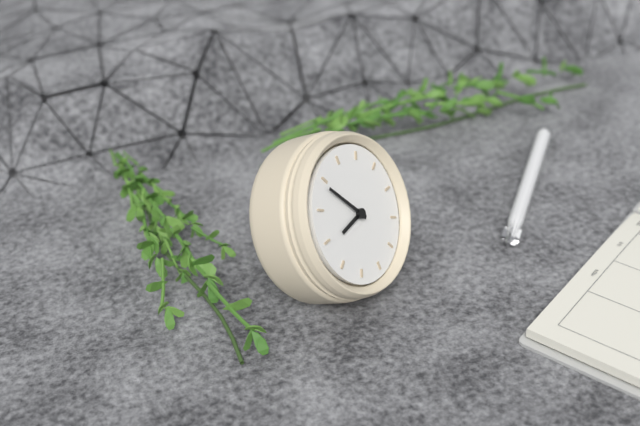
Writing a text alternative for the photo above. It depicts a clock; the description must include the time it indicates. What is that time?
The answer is 7:49
